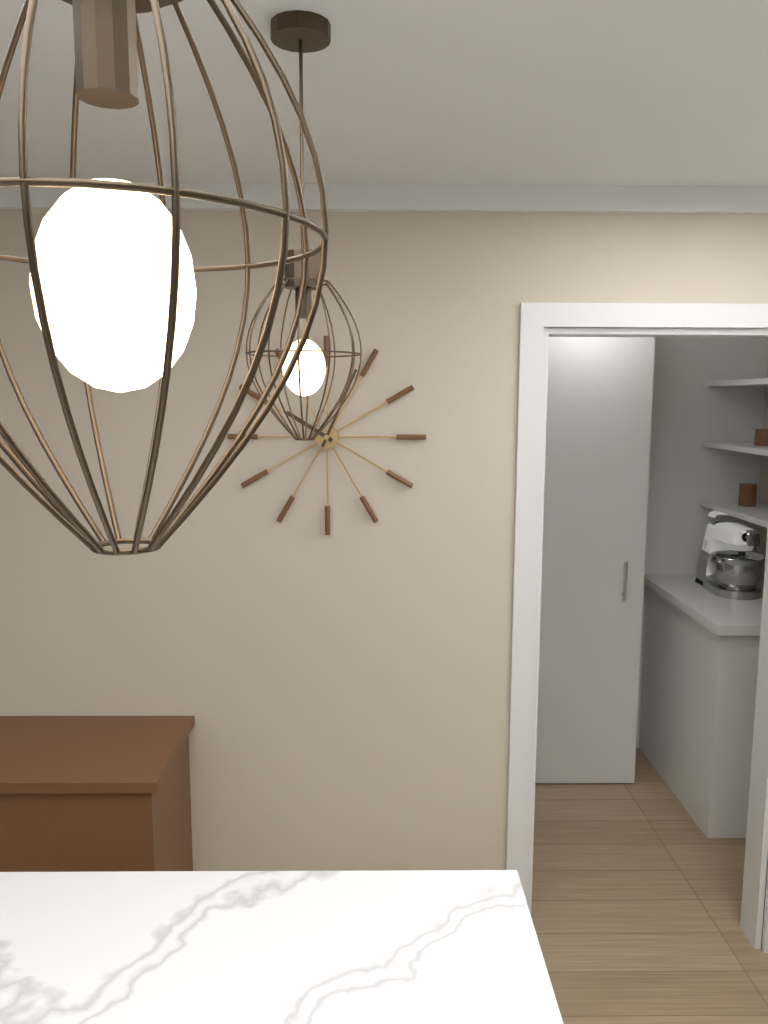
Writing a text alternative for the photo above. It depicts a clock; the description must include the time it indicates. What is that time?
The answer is 10:04
